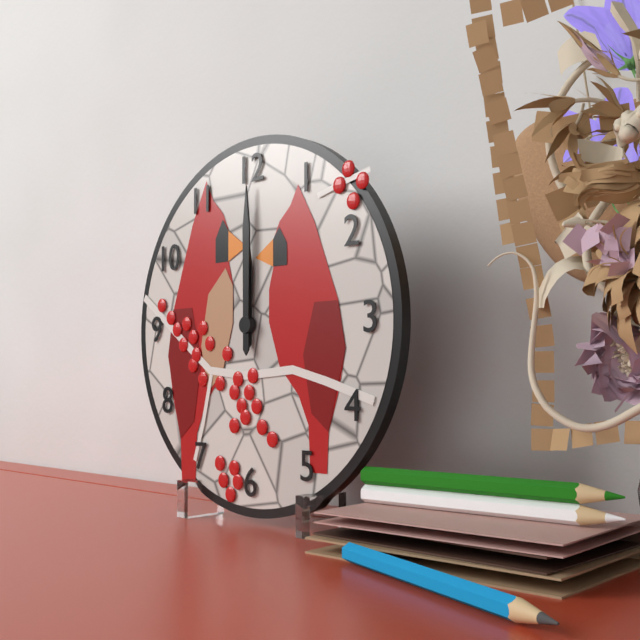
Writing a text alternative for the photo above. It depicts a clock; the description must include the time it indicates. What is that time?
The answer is 12:00
